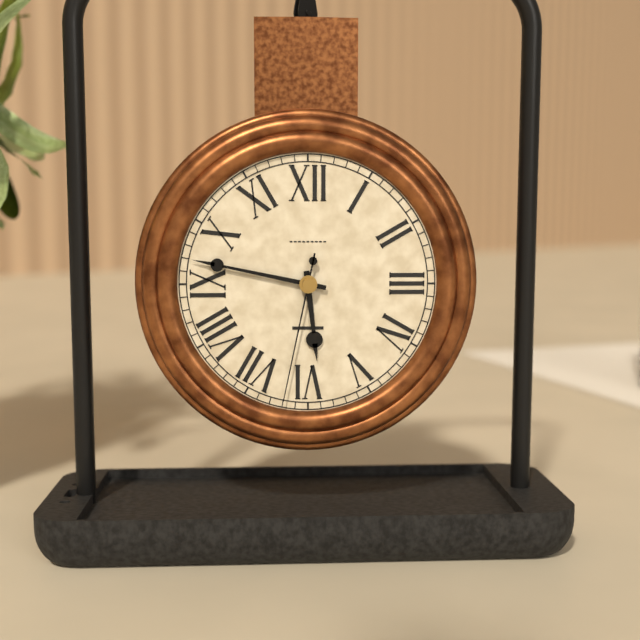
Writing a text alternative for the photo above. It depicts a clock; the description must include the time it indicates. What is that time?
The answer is 5:47:32
